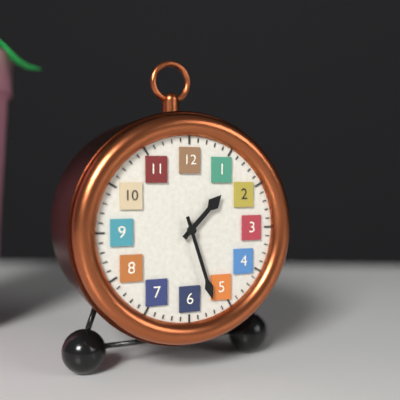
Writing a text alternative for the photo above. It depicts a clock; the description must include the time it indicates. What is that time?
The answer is 1:27
